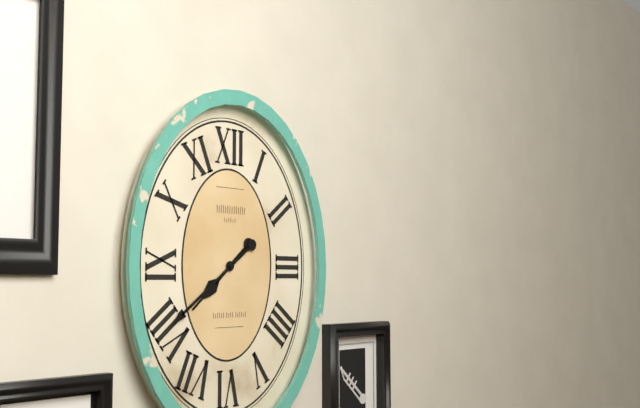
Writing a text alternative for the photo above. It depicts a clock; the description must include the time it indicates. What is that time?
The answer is 7:39
